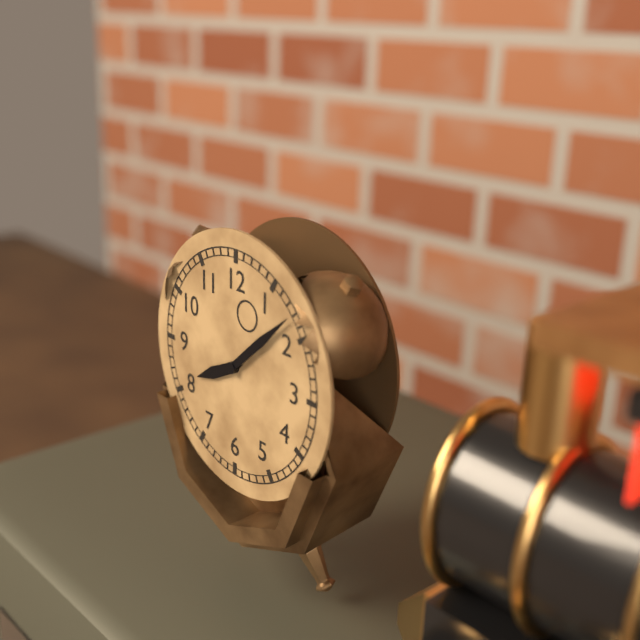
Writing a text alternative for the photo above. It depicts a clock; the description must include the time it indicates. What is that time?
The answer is 8:08
